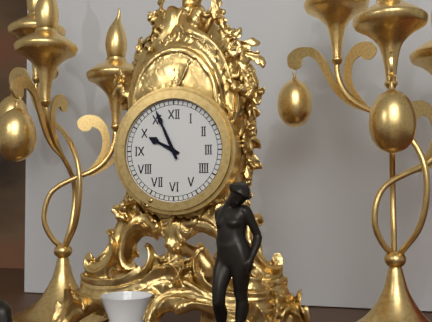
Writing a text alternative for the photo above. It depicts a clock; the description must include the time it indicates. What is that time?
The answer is 9:56
